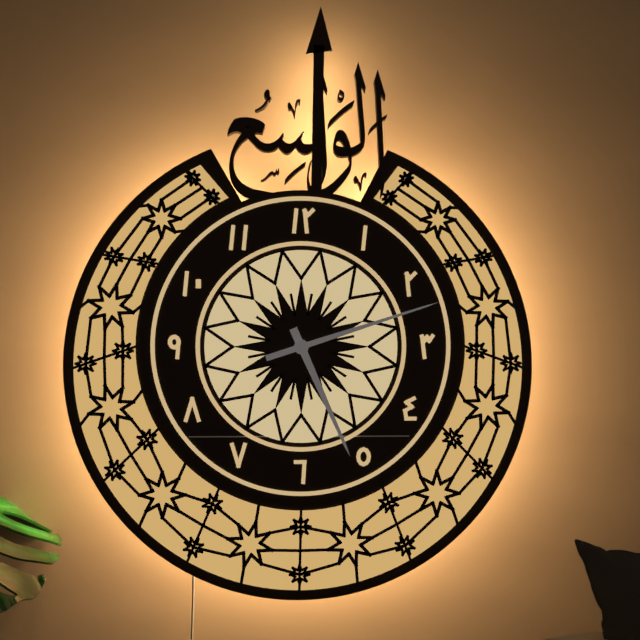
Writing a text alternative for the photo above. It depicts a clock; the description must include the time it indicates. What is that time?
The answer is 5:12
